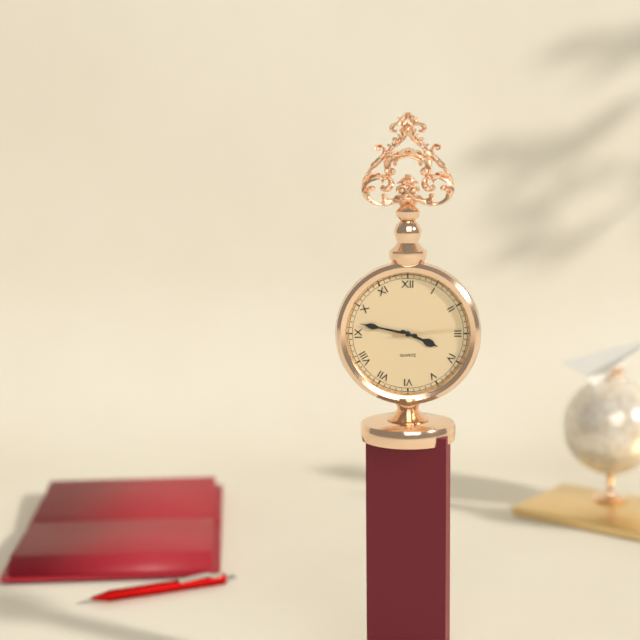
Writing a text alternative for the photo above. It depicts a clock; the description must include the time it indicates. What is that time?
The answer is 3:47:14
